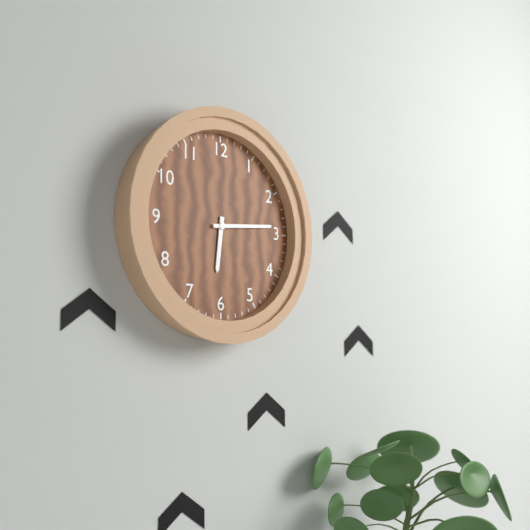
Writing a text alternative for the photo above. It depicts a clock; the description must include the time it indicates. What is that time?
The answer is 6:14
